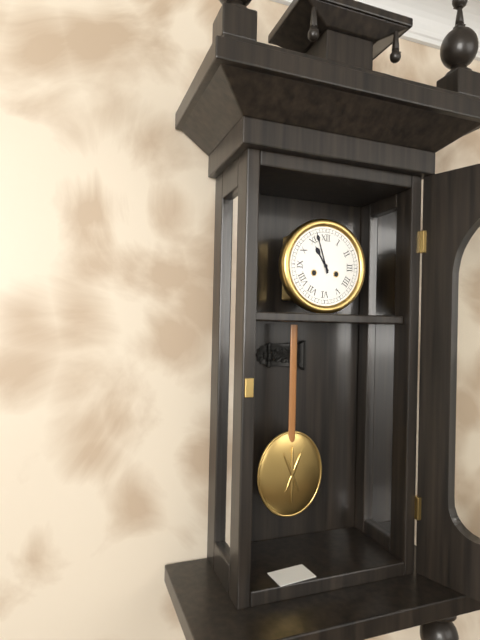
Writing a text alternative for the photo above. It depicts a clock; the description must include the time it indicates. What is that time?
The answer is 10:57
